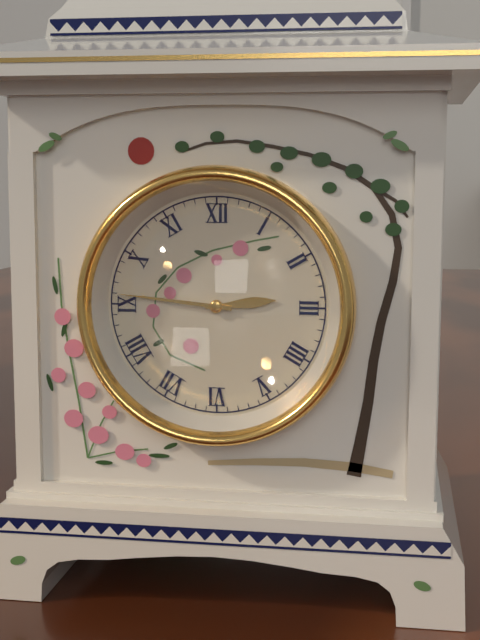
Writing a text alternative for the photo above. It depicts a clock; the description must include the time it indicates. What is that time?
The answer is 2:46
